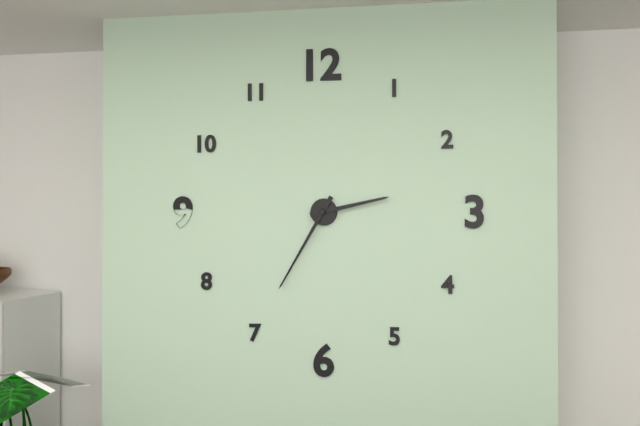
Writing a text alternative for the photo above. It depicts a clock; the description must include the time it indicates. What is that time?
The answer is 2:35
